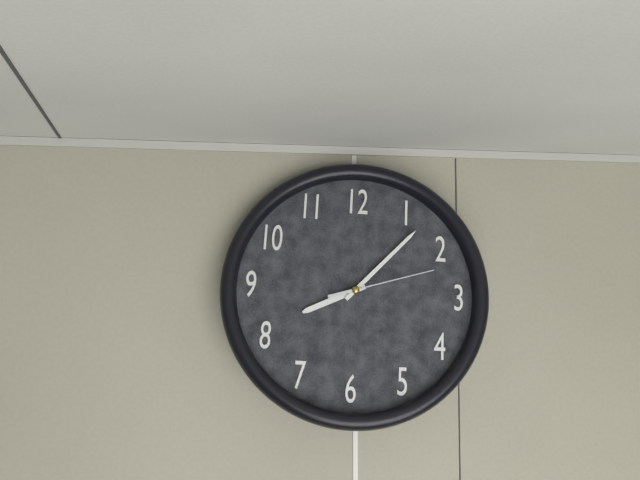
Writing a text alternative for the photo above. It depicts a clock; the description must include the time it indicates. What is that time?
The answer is 8:07:12
